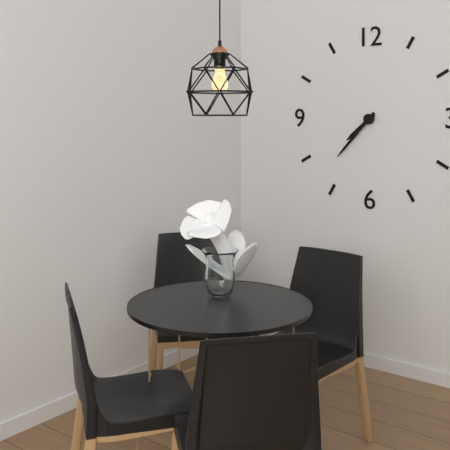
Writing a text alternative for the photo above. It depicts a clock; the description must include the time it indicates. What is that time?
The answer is 7:37
